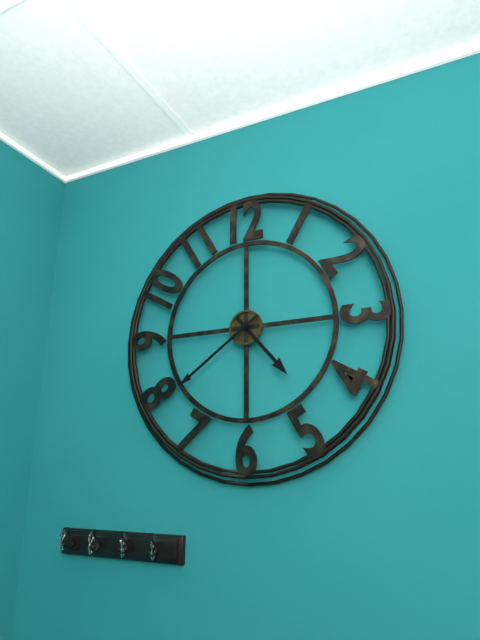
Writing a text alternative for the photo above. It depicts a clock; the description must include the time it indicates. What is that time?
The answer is 4:39
